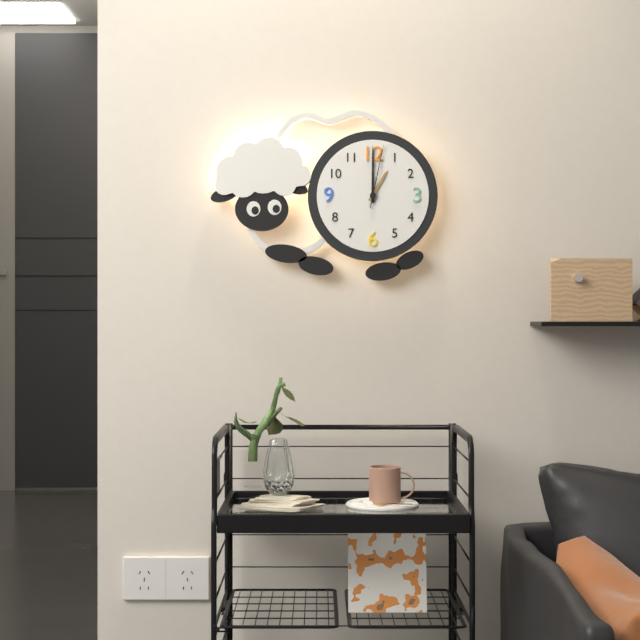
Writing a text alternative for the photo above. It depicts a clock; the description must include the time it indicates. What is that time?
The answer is 1:00:02
